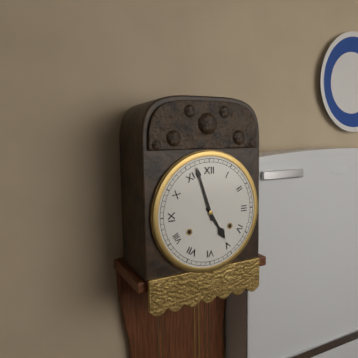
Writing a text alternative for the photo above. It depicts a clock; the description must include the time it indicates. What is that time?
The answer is 4:57
